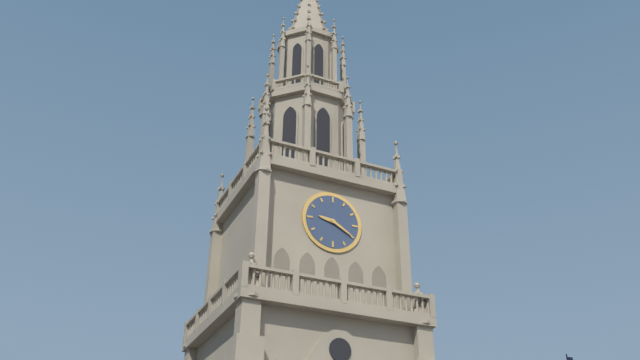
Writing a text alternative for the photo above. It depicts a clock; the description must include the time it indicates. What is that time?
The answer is 9:20
